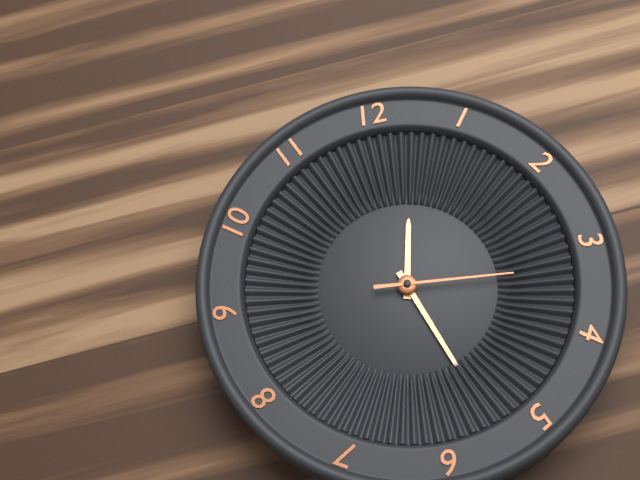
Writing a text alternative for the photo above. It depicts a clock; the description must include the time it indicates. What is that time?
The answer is 12:27:16
